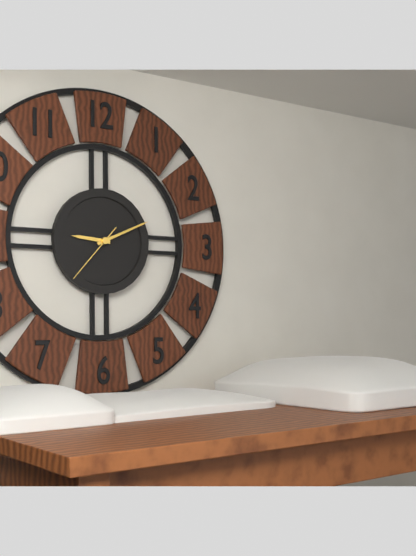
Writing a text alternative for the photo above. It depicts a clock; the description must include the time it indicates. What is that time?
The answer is 9:11:37
